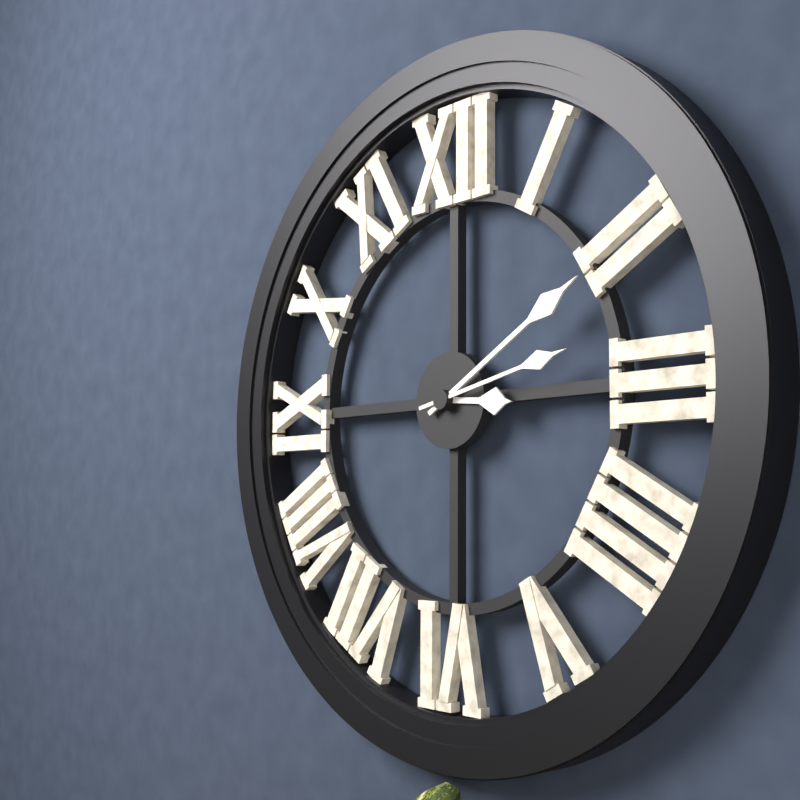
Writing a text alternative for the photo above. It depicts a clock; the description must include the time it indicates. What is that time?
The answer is 3:10:13
